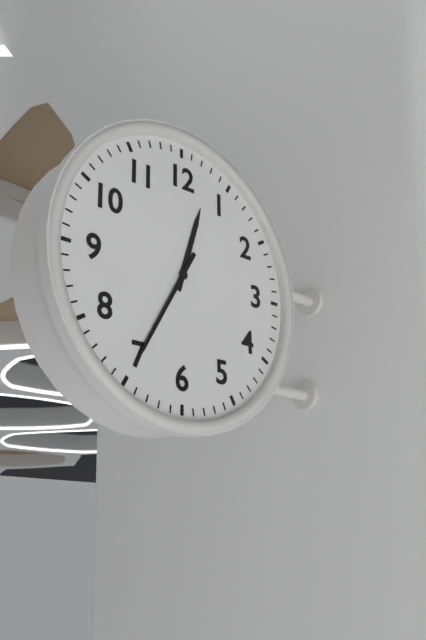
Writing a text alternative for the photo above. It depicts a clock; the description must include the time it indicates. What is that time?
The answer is 12:35
